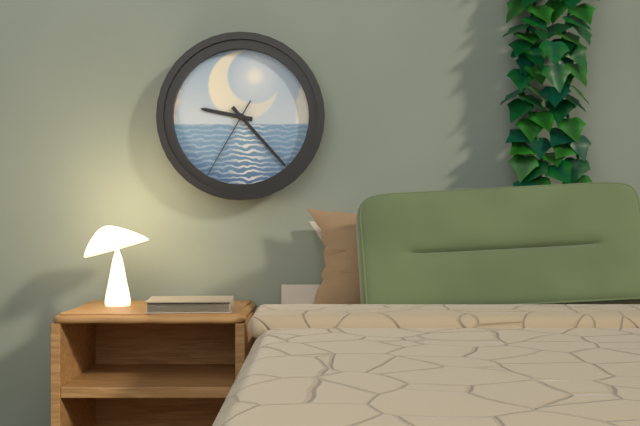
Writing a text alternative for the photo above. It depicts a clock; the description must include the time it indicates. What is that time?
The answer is 9:23:35
